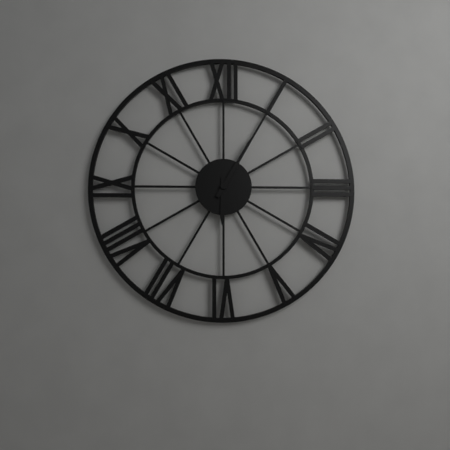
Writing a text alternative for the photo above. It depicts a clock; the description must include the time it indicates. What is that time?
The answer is 6:05
